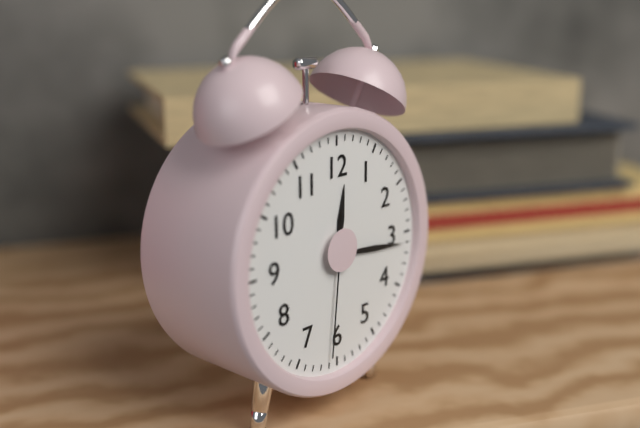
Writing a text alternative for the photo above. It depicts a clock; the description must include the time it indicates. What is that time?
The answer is 12:16:31
